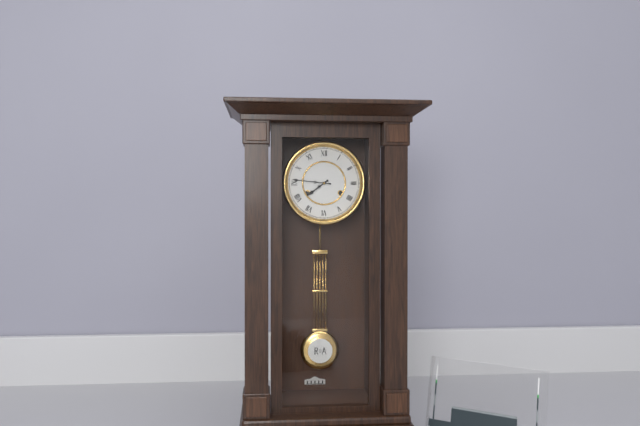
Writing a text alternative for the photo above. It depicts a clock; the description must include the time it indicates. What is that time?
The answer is 7:46
